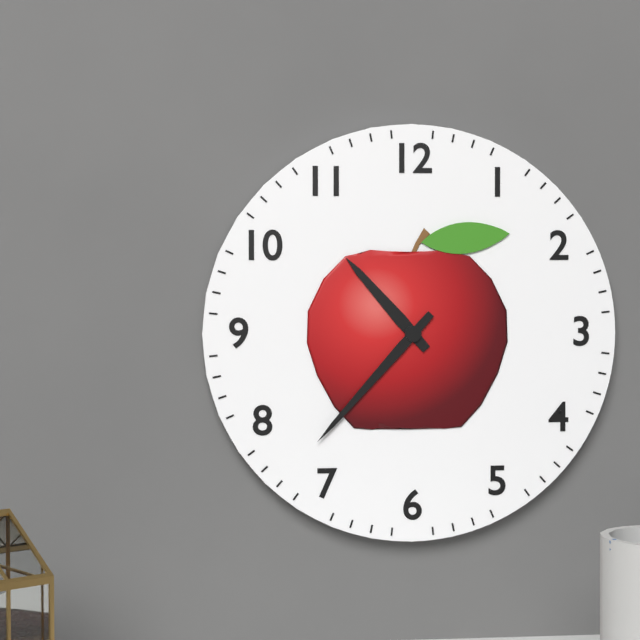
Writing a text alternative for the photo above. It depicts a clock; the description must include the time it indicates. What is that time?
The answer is 10:37
